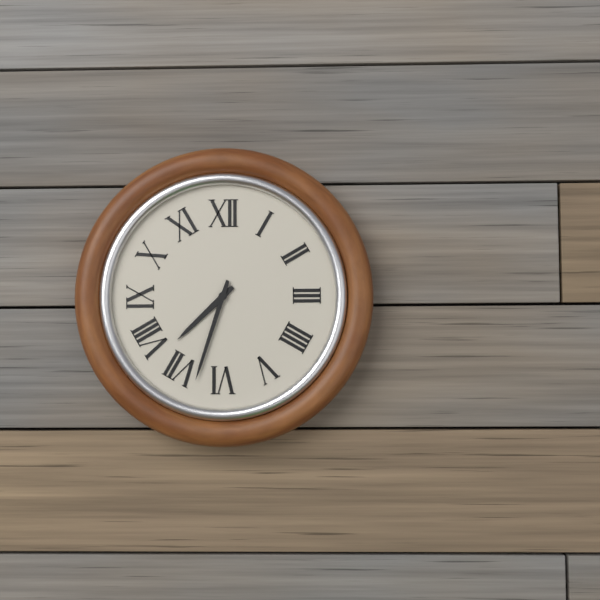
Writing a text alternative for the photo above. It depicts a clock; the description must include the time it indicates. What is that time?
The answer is 7:33
